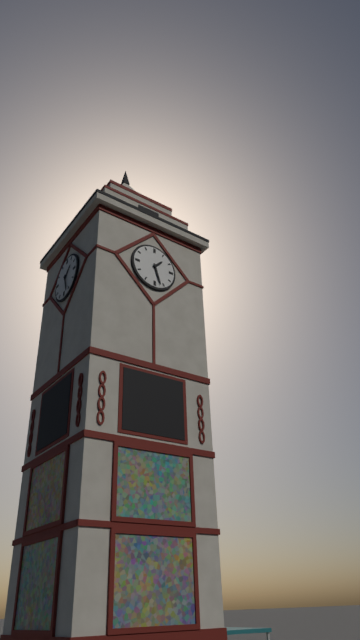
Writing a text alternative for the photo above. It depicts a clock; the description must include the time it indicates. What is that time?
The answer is 1:27
